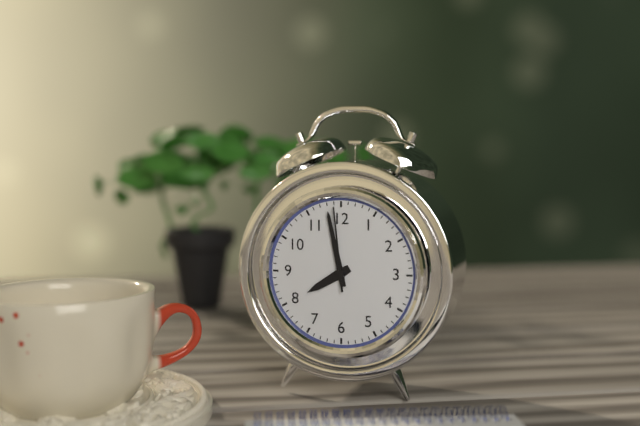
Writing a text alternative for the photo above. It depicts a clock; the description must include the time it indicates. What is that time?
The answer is 7:58:59
